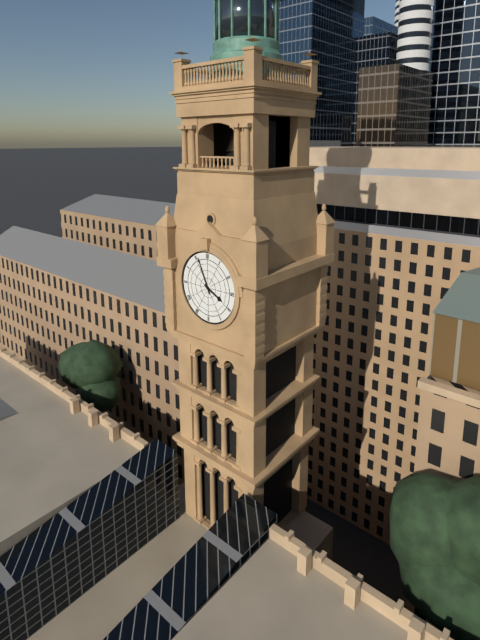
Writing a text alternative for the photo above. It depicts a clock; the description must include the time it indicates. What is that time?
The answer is 3:56
